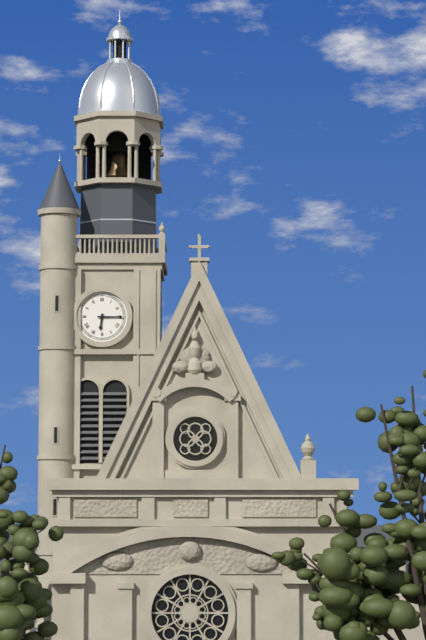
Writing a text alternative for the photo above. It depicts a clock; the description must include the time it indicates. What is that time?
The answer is 6:15
